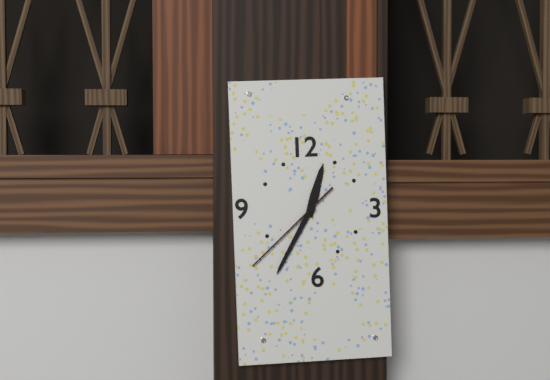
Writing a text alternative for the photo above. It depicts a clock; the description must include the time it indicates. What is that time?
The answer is 12:35:38
